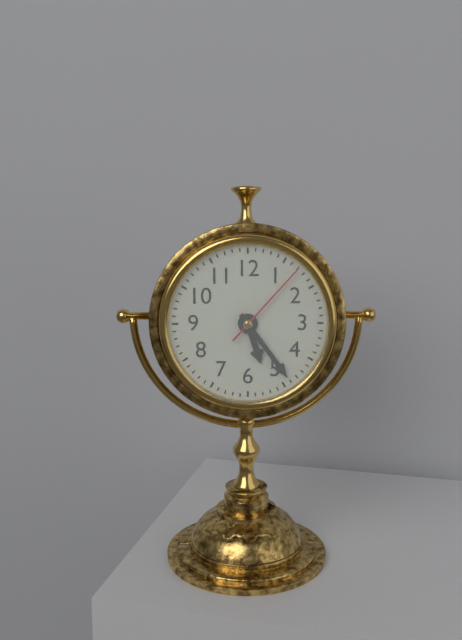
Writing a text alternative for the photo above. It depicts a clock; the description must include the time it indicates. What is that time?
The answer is 5:24:07
